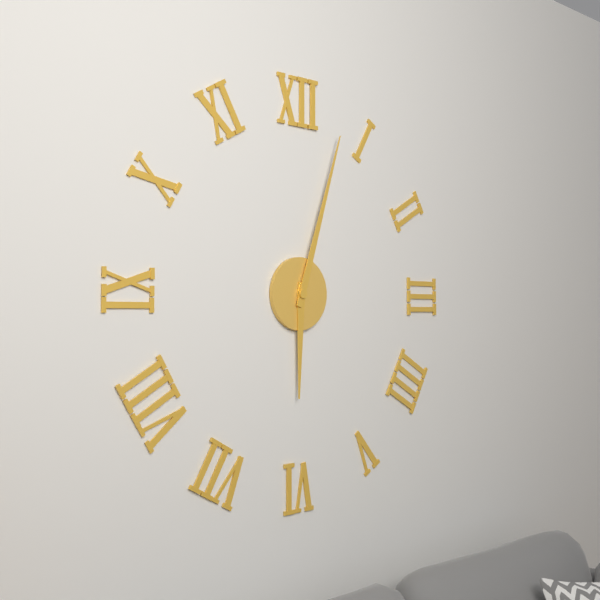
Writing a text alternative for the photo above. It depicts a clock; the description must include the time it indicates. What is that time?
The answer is 6:03
